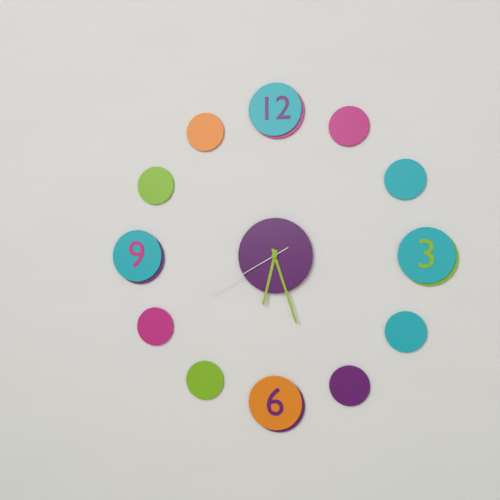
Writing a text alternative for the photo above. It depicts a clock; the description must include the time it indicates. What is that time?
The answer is 6:27:40
